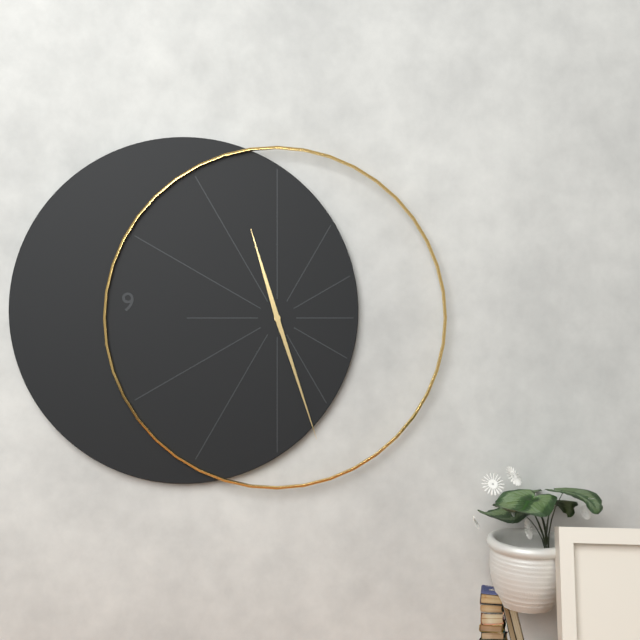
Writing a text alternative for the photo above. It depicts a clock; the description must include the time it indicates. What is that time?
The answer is 11:27
